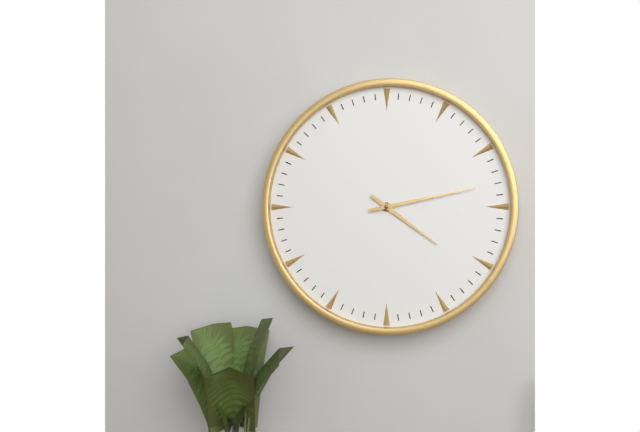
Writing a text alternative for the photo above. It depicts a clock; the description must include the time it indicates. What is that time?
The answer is 4:13
